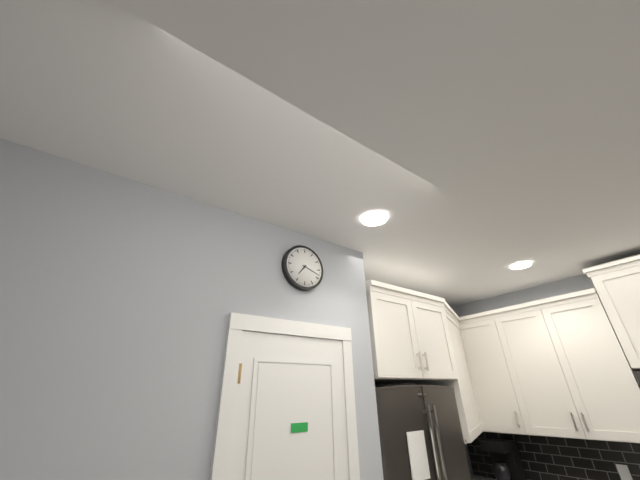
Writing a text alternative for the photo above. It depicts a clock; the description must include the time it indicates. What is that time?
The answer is 7:18
